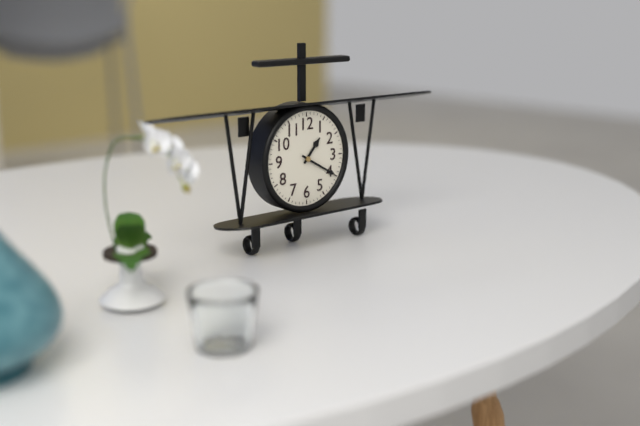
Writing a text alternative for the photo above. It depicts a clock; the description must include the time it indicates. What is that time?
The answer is 1:20
